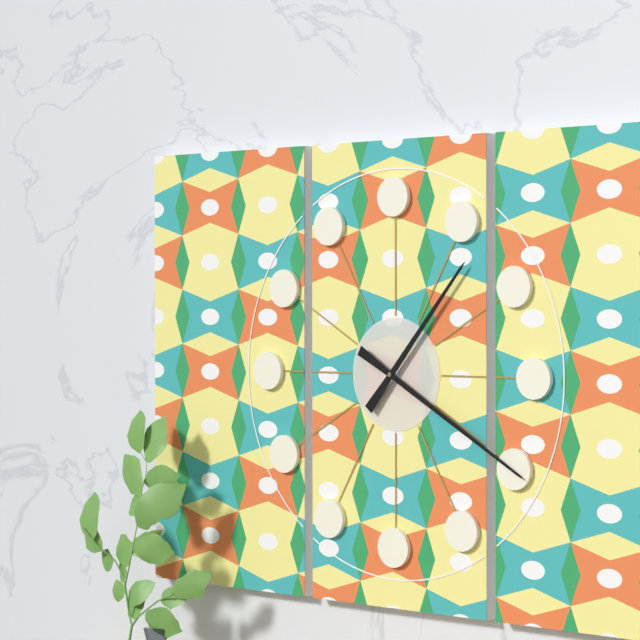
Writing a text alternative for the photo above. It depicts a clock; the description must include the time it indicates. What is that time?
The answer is 1:20
